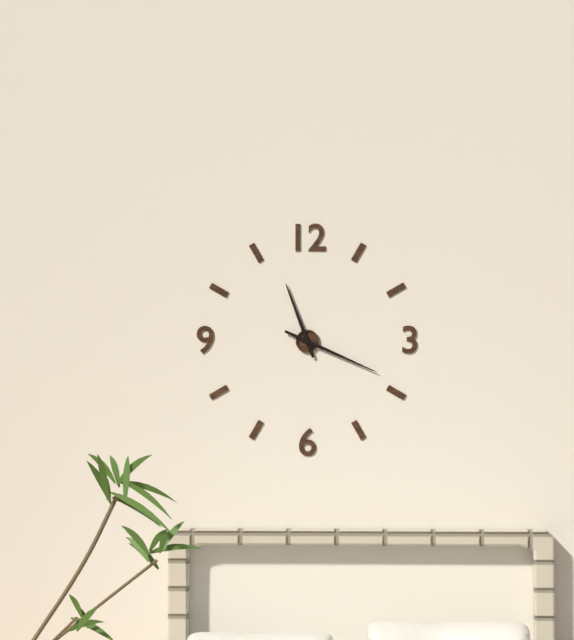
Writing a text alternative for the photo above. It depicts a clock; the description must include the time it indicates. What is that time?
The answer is 11:19
